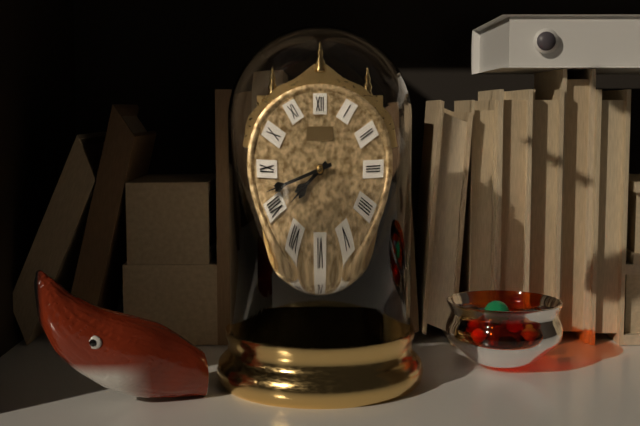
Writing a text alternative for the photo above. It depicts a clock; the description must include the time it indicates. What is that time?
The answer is 7:42
